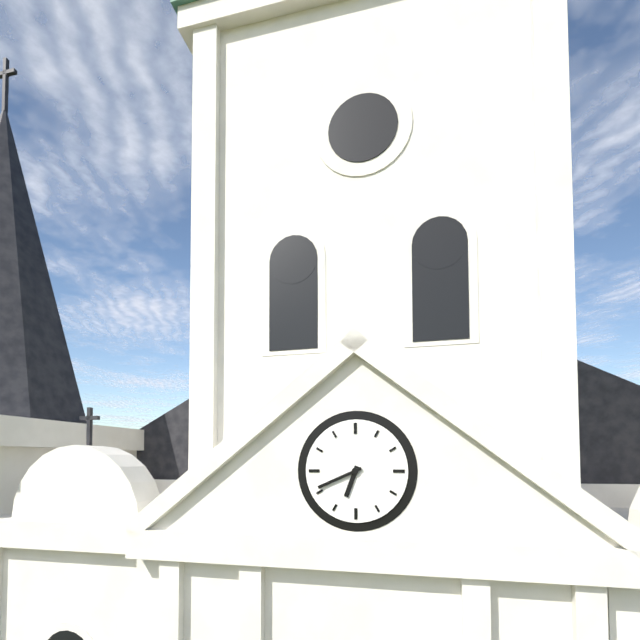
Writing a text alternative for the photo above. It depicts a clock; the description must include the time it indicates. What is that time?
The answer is 6:41
